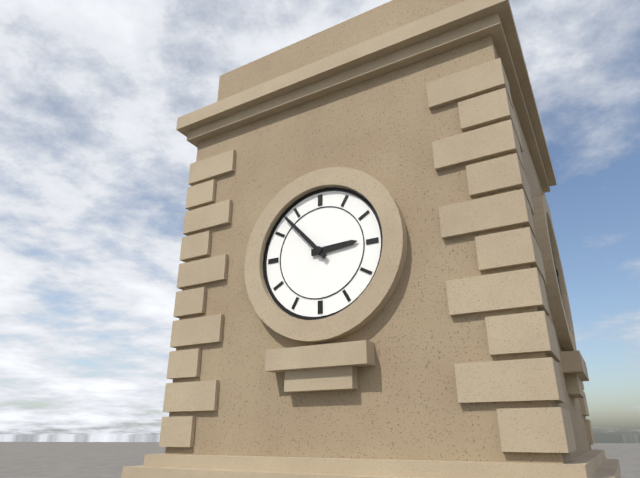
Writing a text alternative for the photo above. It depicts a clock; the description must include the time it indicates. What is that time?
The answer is 2:53
